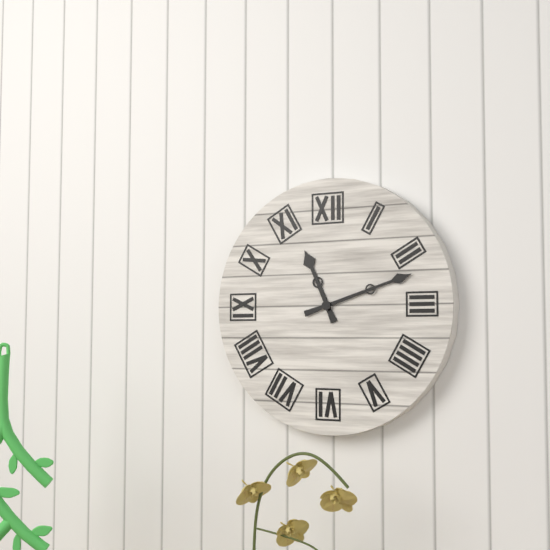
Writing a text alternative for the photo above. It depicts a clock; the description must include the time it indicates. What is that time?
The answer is 11:12
